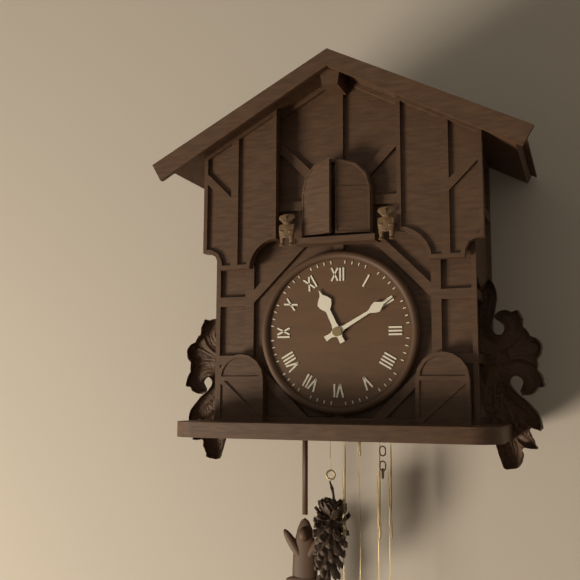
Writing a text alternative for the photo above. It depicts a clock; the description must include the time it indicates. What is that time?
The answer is 11:10
